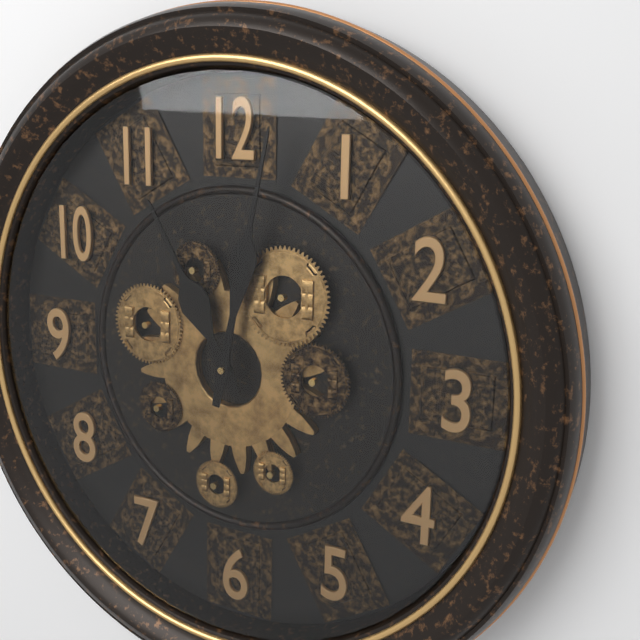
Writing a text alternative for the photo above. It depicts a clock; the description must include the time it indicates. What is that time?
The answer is 11:02
